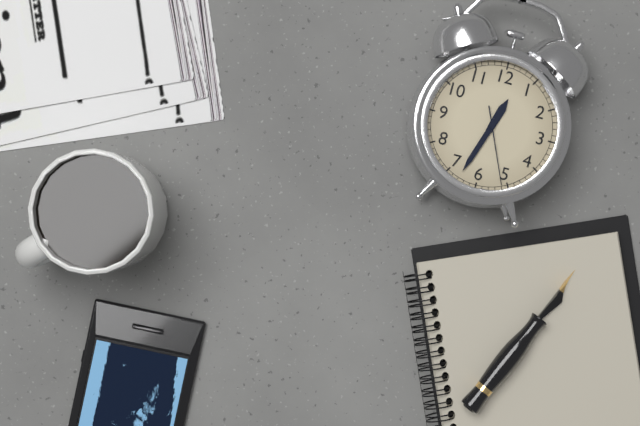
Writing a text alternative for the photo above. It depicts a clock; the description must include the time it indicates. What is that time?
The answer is 12:33:26
